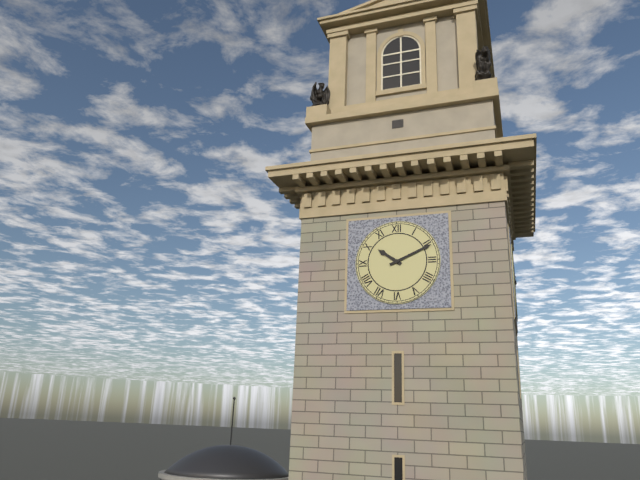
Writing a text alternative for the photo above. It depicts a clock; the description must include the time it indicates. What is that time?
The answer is 10:11
